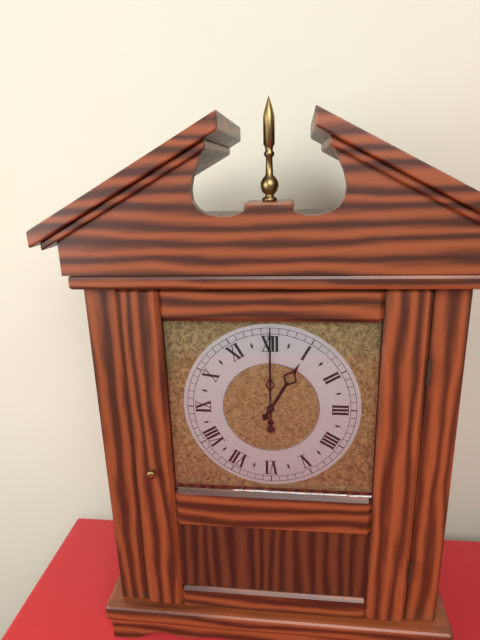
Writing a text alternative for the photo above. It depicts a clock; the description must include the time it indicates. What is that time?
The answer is 1:00
